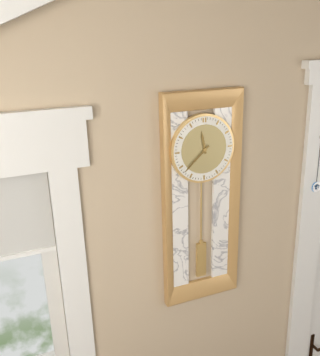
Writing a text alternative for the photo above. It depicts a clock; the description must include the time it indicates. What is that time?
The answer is 11:38
